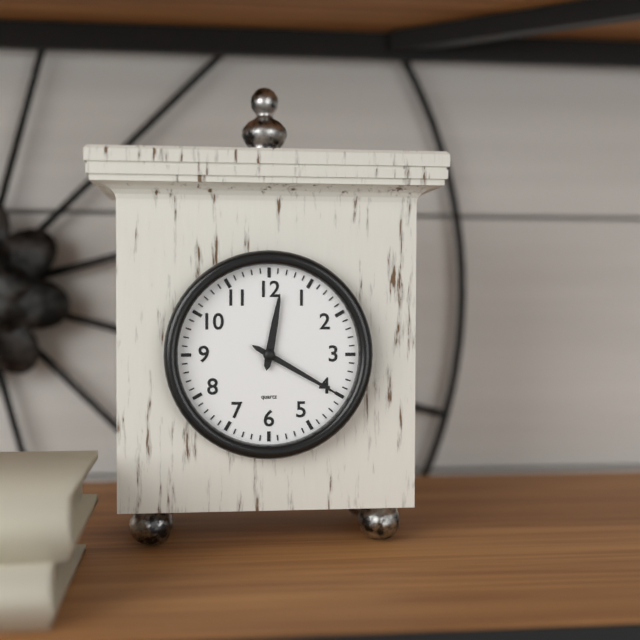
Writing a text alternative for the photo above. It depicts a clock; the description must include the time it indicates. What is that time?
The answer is 12:20
